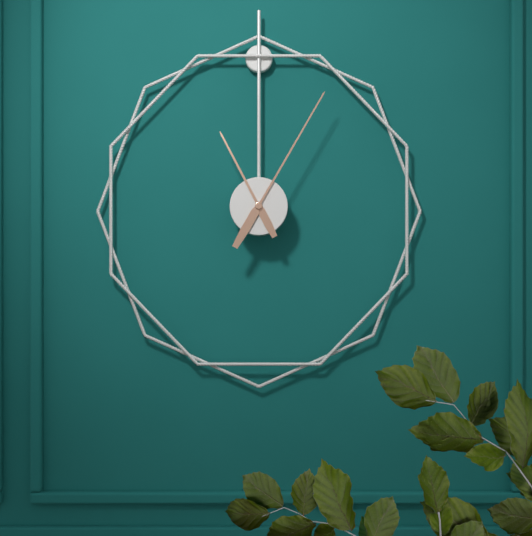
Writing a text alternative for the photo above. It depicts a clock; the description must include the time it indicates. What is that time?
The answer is 11:05
